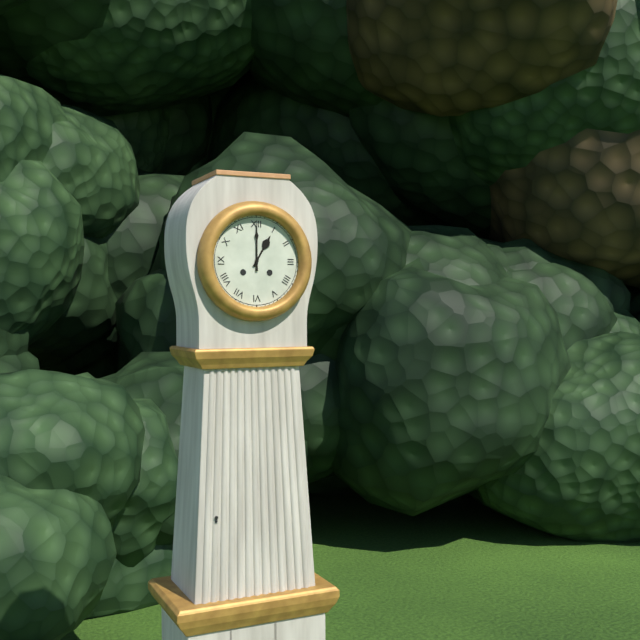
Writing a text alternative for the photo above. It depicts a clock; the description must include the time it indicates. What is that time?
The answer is 1:00
